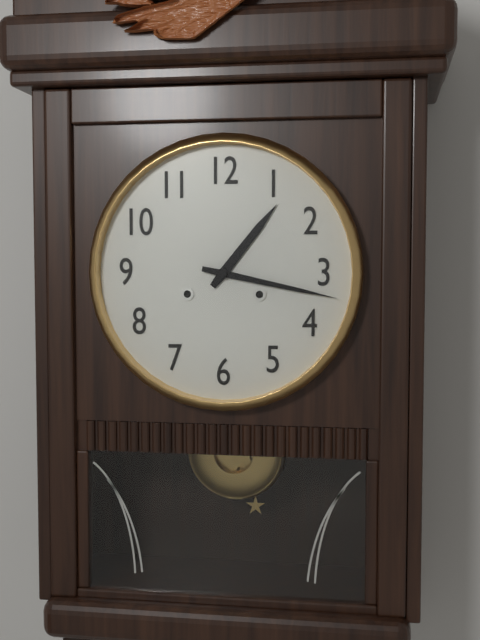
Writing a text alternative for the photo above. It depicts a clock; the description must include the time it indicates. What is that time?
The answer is 1:17
